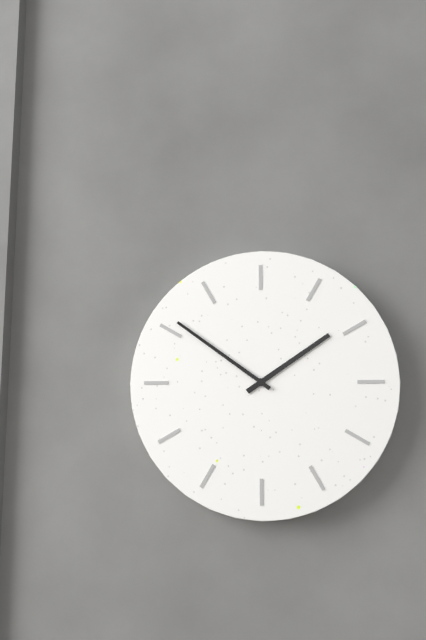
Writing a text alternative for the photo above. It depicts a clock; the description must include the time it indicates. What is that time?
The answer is 1:51
